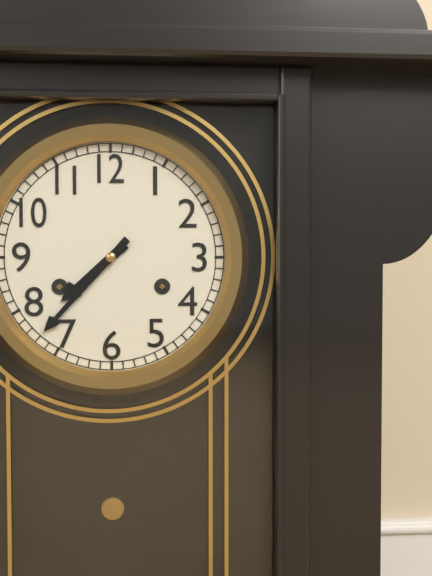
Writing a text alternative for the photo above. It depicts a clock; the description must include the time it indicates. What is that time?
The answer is 7:37
